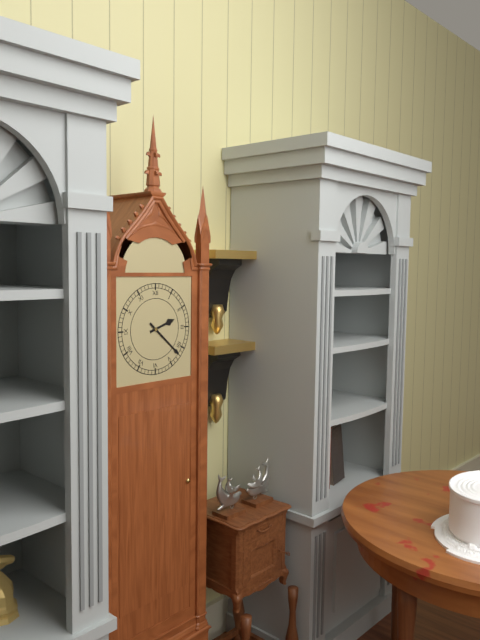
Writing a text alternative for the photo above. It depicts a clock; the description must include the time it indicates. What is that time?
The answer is 2:22
